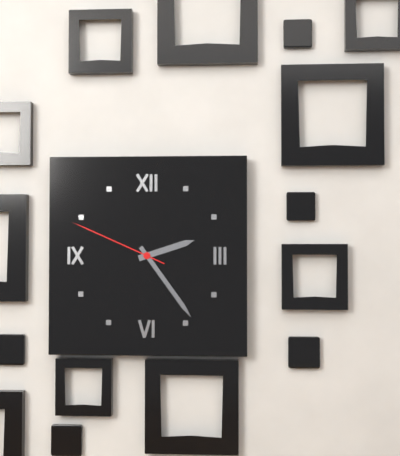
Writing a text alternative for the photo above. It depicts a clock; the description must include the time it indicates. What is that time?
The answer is 2:24:49
